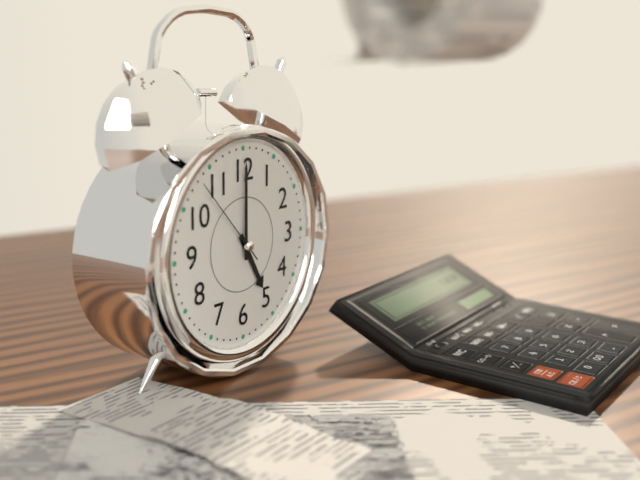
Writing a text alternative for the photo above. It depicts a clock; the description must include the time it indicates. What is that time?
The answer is 5:00:53
